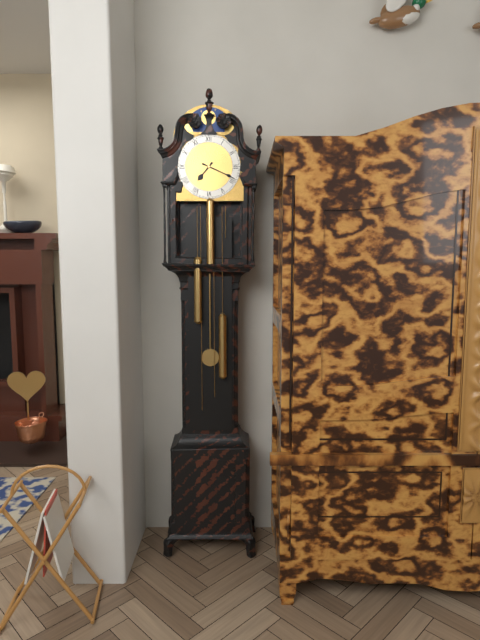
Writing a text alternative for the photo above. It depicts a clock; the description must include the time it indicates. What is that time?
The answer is 7:19
